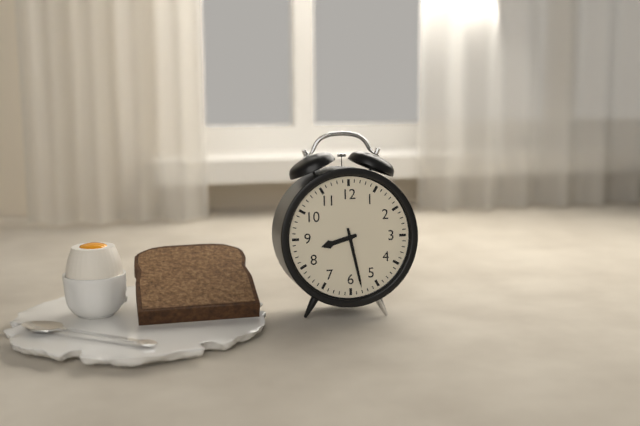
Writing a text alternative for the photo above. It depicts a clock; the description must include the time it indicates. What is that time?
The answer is 8:28
